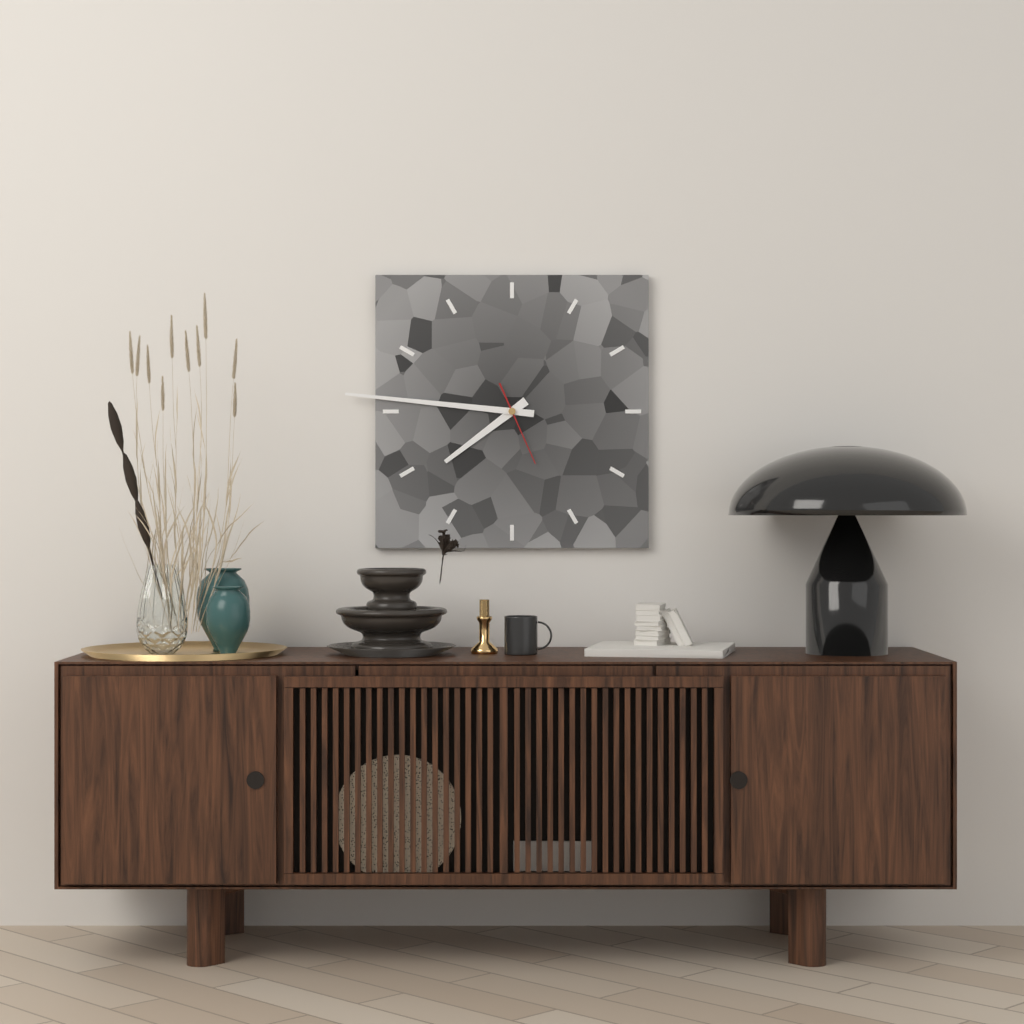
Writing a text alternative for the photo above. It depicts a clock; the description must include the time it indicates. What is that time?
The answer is 7:46:26
